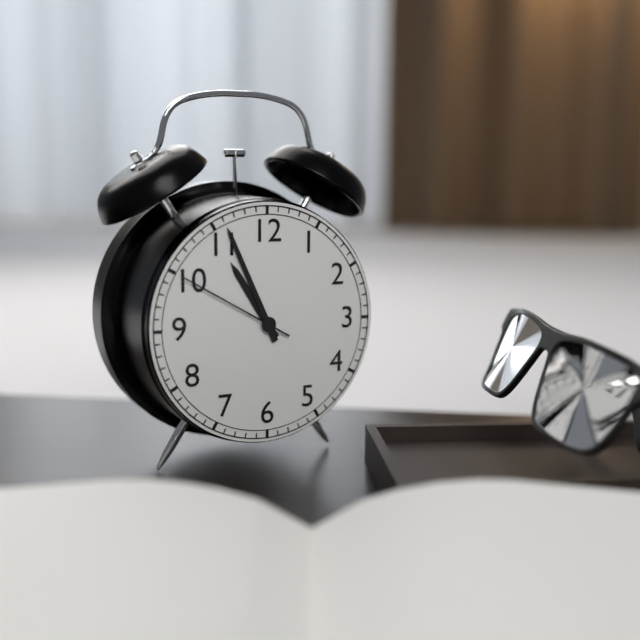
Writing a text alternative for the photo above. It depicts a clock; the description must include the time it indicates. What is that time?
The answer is 10:56:50
